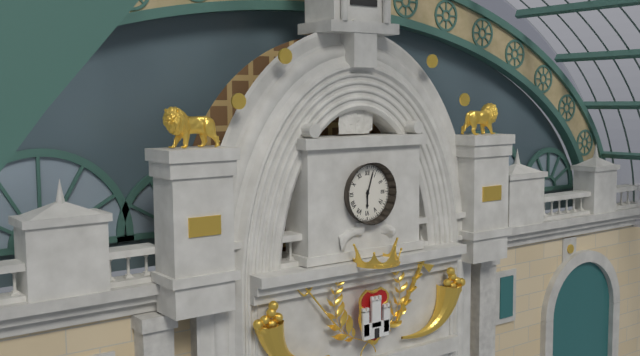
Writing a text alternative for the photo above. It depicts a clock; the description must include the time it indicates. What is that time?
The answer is 6:03
